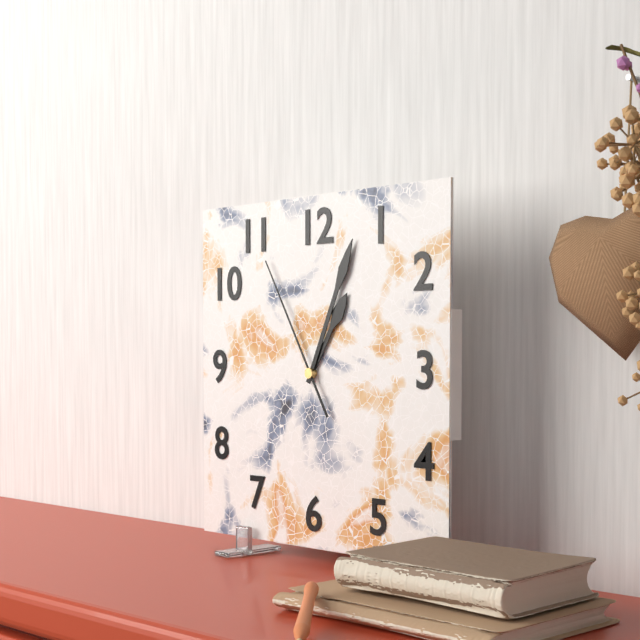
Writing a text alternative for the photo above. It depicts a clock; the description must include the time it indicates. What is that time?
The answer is 1:04:55
